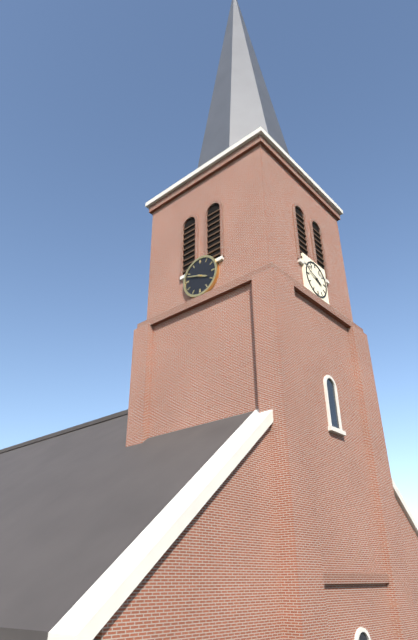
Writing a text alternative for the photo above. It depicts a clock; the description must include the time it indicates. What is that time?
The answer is 3:48
